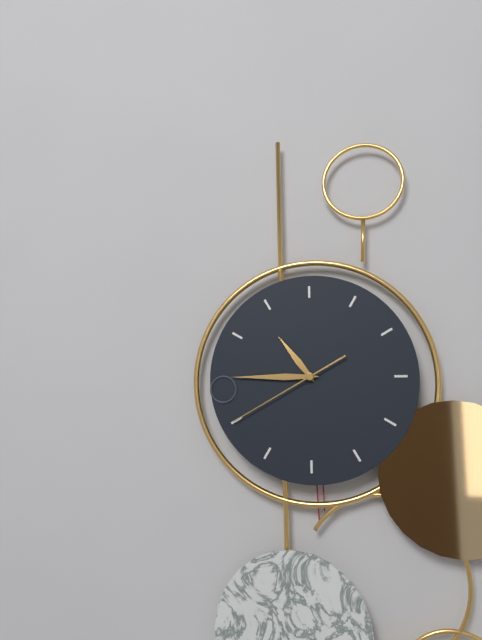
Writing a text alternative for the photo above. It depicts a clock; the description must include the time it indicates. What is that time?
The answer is 10:45:40
